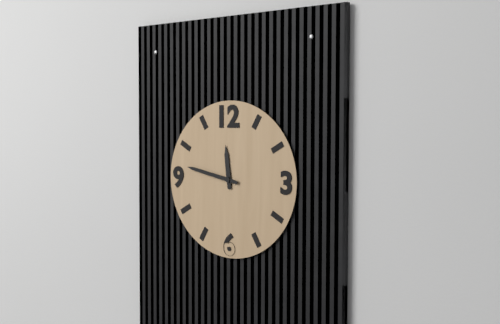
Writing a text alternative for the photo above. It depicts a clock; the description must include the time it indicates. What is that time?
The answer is 11:47
